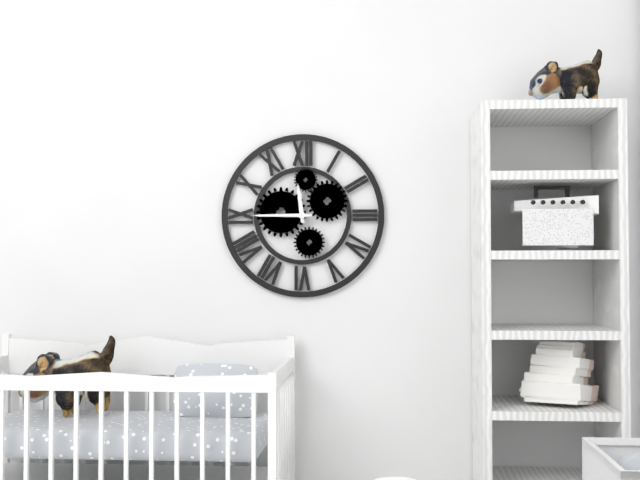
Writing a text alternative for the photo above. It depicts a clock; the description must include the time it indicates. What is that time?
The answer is 11:45
